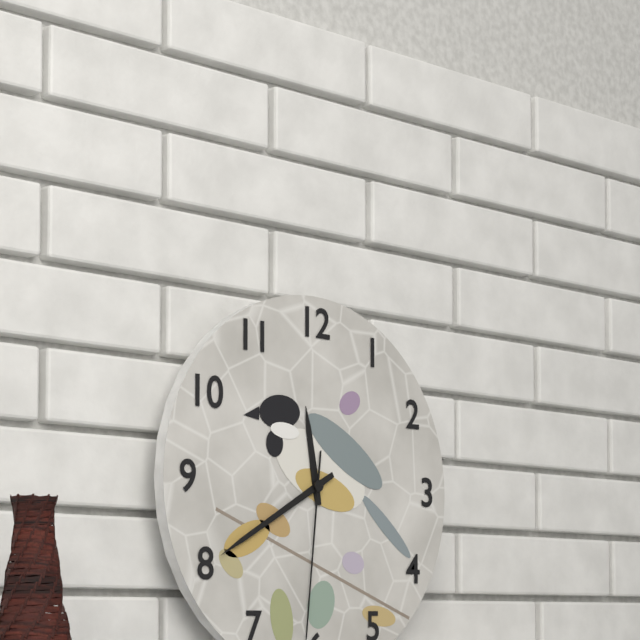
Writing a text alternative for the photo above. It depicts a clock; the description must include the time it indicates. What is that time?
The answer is 11:40
